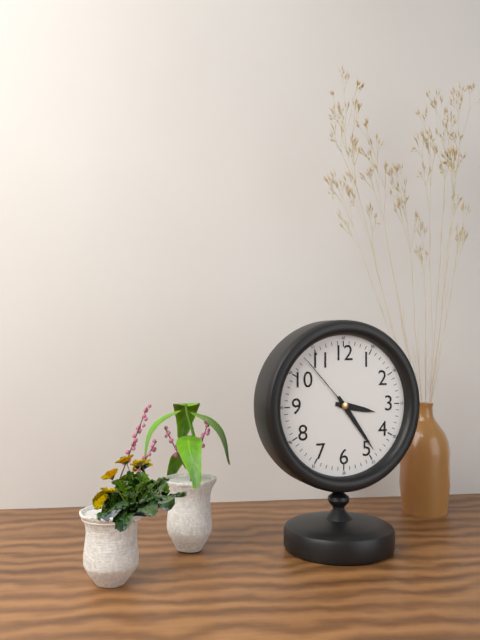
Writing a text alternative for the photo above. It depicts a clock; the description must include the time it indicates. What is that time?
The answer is 3:24:53
